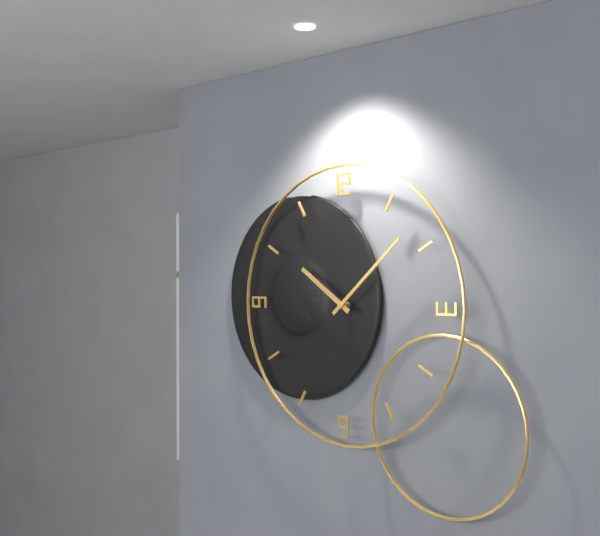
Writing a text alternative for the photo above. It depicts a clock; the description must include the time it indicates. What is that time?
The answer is 10:08
